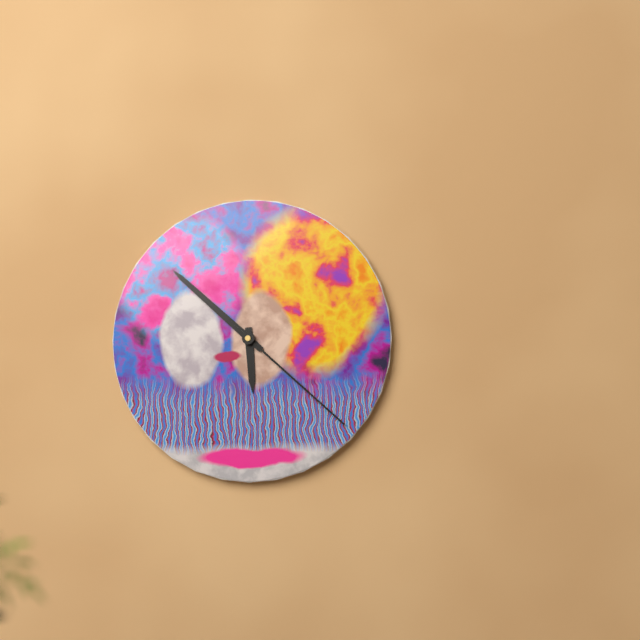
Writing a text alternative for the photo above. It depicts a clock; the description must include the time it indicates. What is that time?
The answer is 5:52:22
